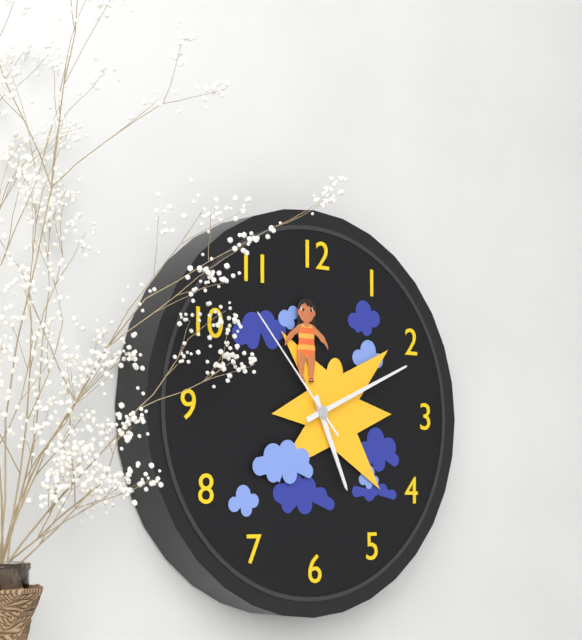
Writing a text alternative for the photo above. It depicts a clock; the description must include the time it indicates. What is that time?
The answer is 5:11:53
